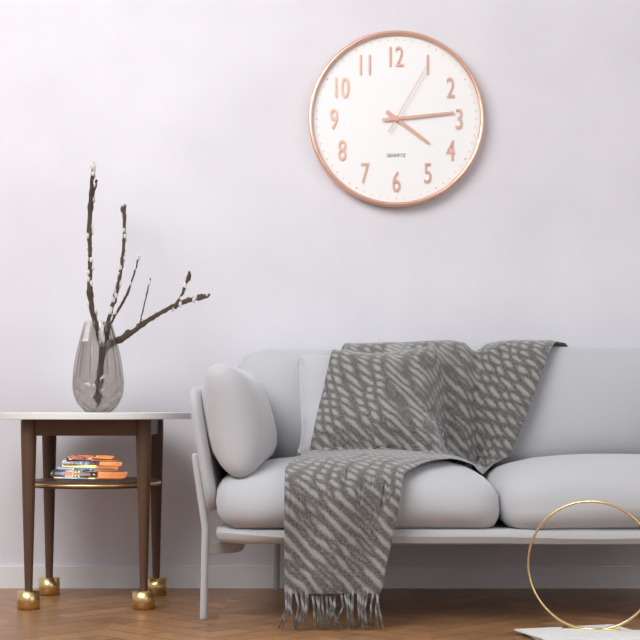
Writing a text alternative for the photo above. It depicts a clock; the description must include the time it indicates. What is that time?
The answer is 4:14:05
